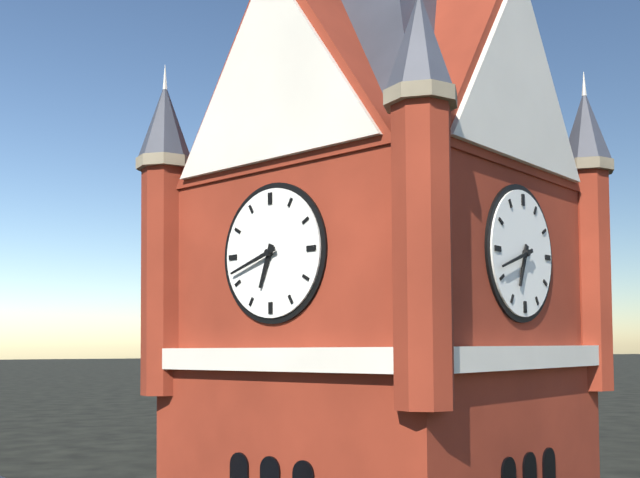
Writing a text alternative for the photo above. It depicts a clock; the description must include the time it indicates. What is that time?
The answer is 6:42
